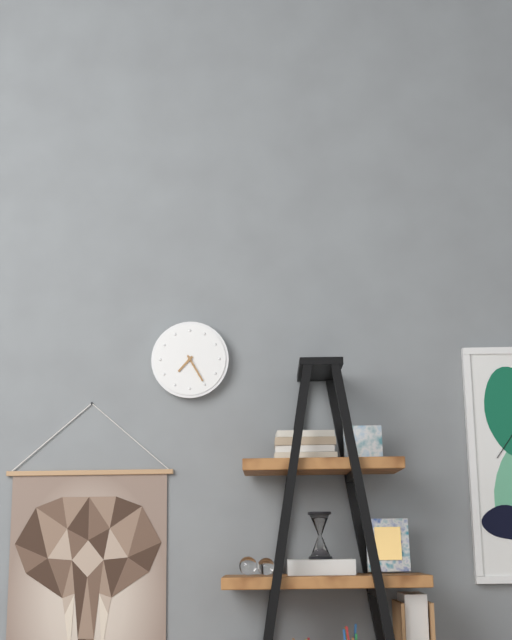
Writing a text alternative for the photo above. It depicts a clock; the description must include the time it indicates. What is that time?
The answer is 7:25
